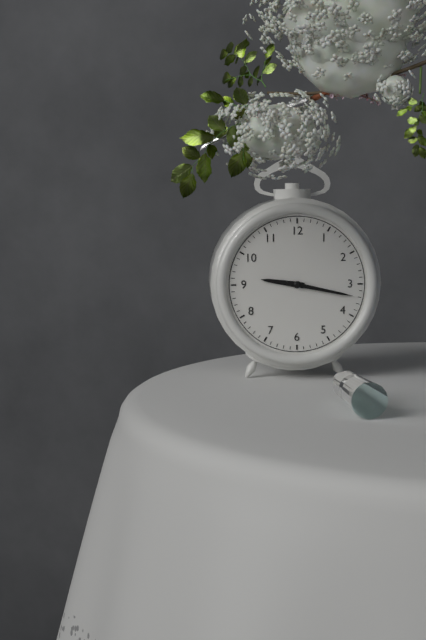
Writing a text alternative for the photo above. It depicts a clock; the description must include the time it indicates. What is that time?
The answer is 9:17
